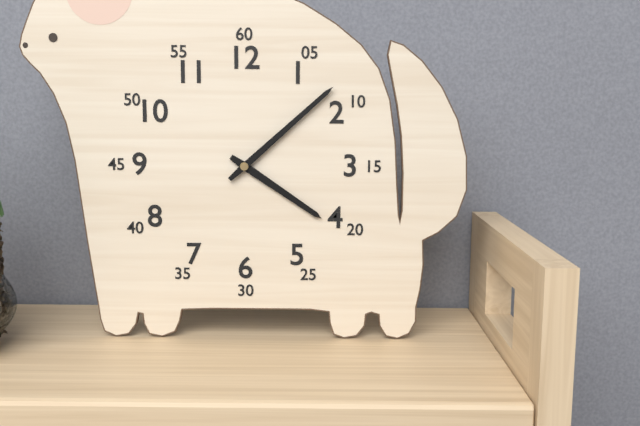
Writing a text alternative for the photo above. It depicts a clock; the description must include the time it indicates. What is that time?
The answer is 4:08
